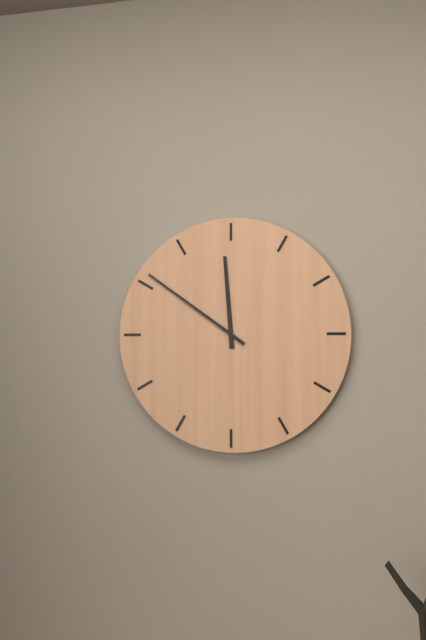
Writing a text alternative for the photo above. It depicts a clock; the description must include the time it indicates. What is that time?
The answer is 11:51
